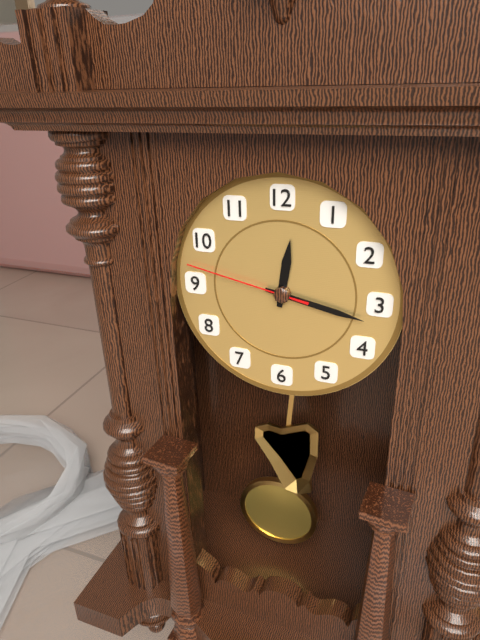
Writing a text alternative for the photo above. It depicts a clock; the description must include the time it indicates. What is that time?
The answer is 12:17:47
